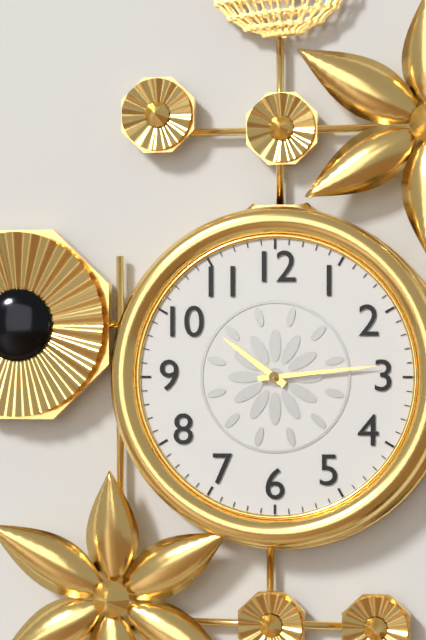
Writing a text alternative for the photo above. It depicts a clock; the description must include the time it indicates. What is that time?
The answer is 10:14
